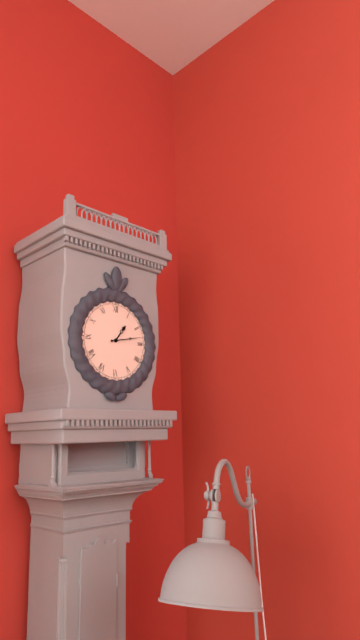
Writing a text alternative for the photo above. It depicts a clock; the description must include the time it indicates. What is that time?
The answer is 1:13
